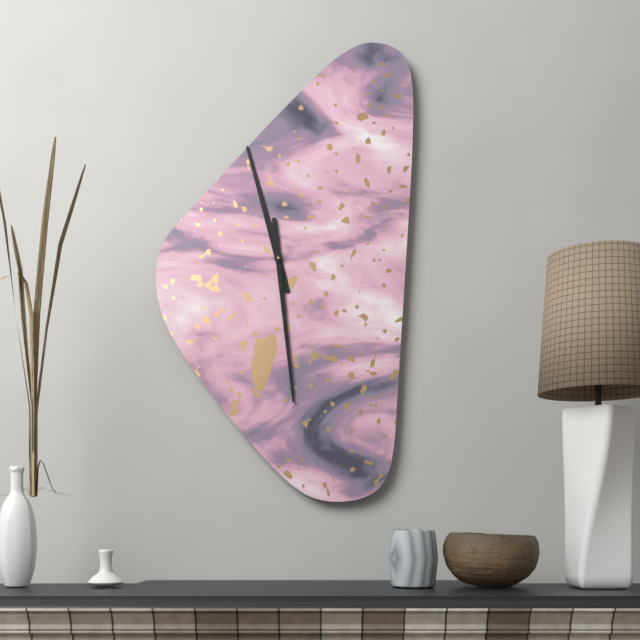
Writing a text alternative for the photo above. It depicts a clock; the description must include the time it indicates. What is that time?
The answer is 11:29
